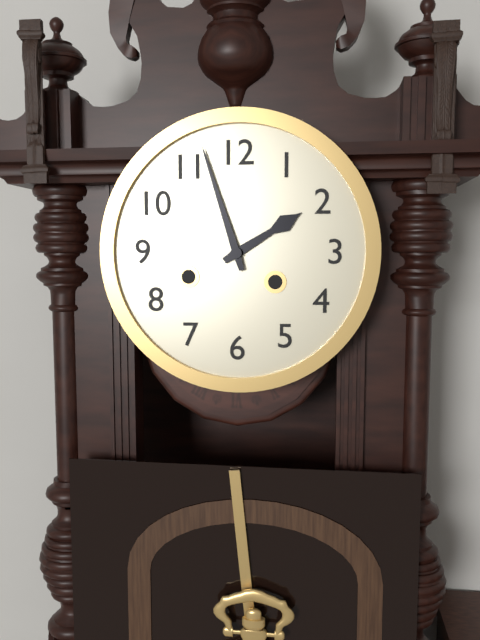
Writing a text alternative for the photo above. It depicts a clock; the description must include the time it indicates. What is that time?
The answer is 1:57
